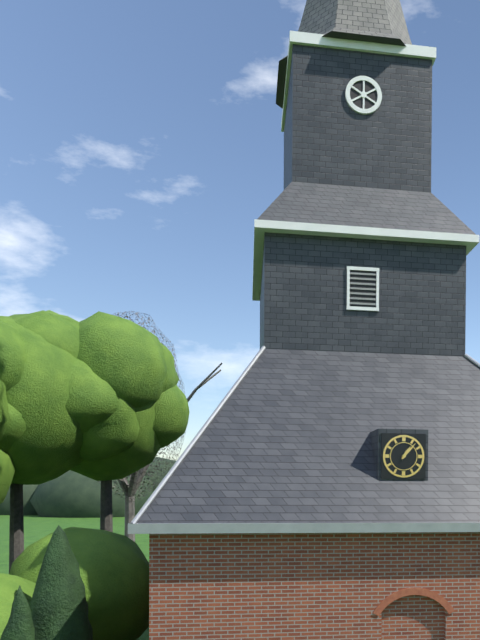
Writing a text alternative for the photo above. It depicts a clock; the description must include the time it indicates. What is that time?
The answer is 1:07
